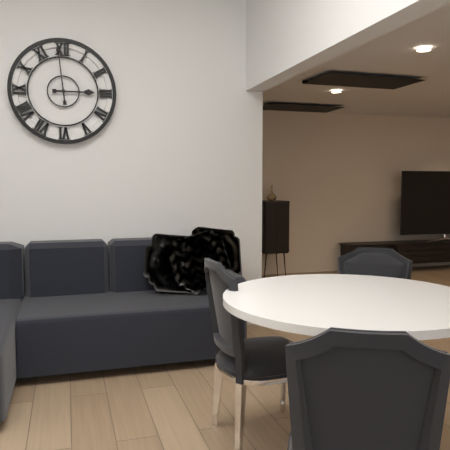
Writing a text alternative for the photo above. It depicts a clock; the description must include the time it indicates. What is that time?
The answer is 2:59
